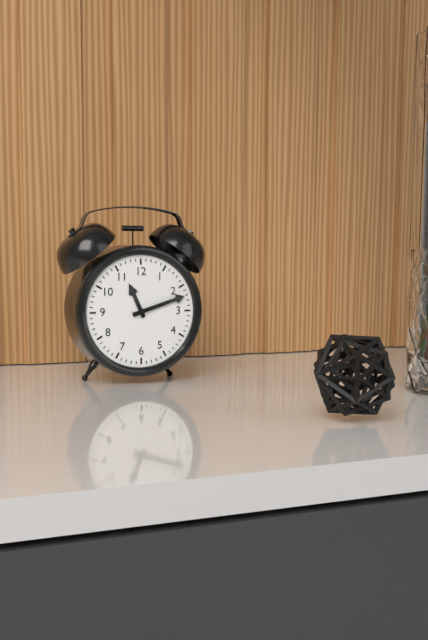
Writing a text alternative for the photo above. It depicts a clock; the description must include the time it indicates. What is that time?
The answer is 11:12
